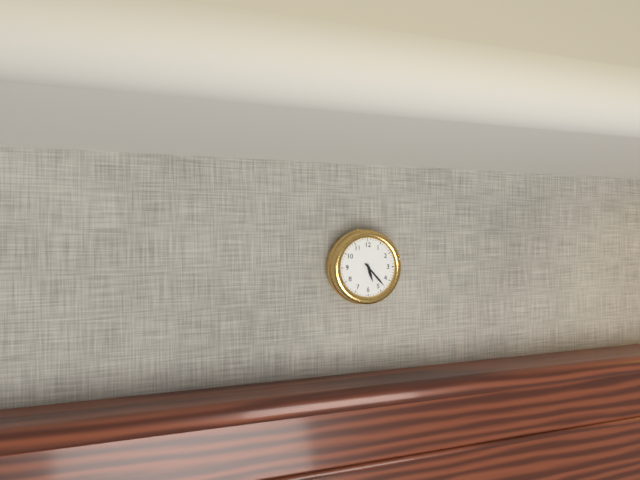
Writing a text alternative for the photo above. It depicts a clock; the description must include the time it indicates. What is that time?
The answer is 5:23
